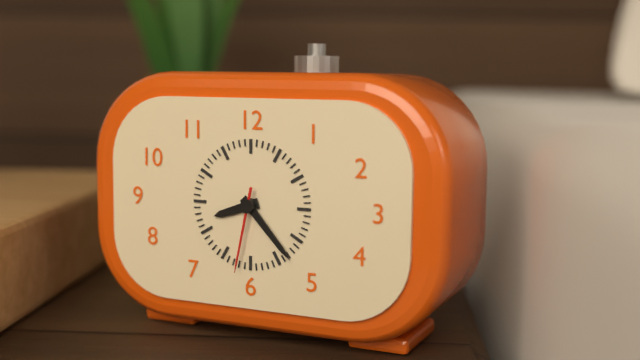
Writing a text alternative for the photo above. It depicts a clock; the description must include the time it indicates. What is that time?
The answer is 8:23:32
